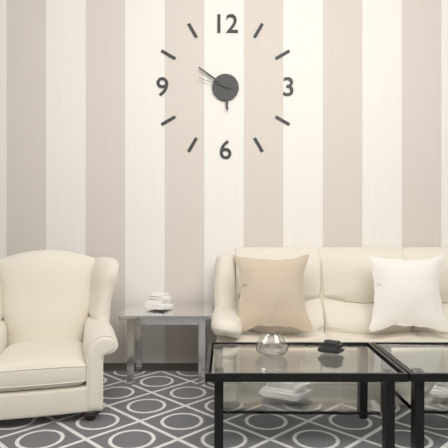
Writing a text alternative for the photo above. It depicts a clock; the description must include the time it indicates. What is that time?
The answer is 5:51
